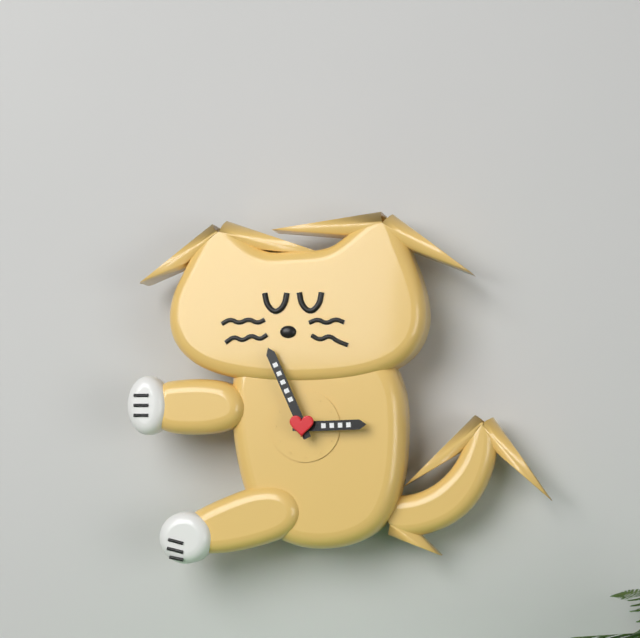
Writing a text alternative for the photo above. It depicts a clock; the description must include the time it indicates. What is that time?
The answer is 2:56
